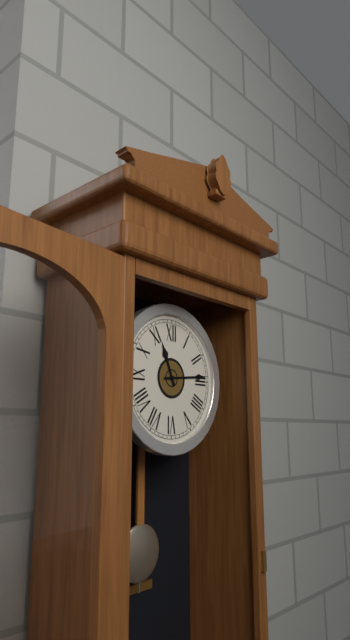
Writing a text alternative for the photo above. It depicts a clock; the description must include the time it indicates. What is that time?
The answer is 11:14
